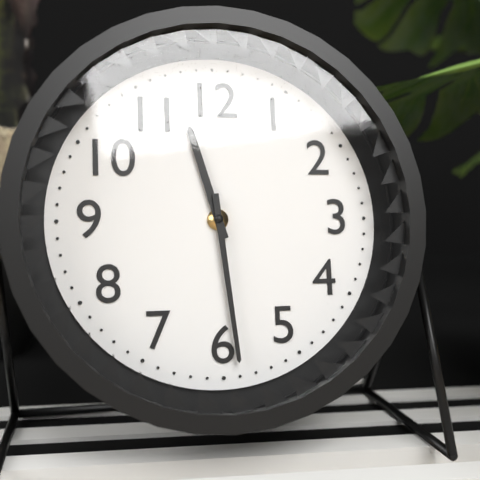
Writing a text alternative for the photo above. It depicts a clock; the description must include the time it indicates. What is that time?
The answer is 11:29
